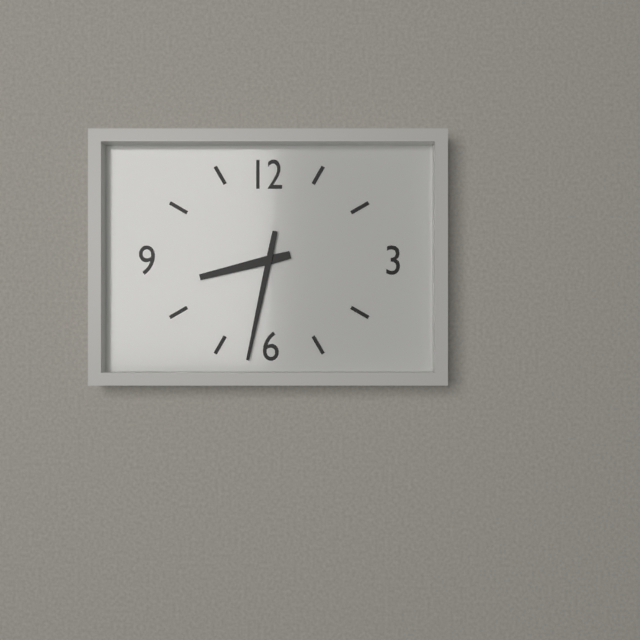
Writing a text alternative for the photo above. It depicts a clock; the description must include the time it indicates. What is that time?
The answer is 8:32
